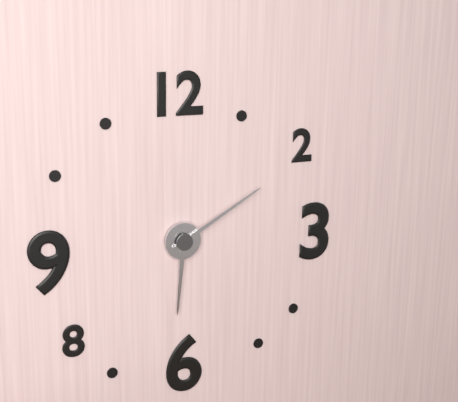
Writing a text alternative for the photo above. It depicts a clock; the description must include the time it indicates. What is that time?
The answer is 6:10
